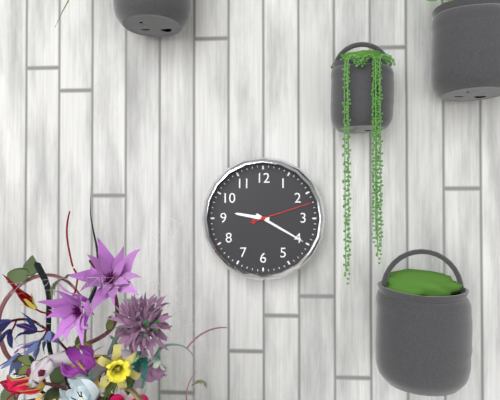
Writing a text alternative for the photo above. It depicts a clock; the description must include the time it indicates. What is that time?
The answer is 9:20:12
